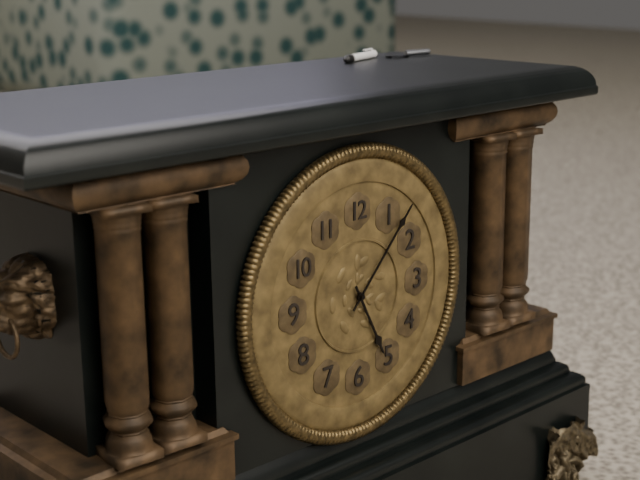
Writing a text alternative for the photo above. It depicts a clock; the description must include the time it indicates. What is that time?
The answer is 5:07
